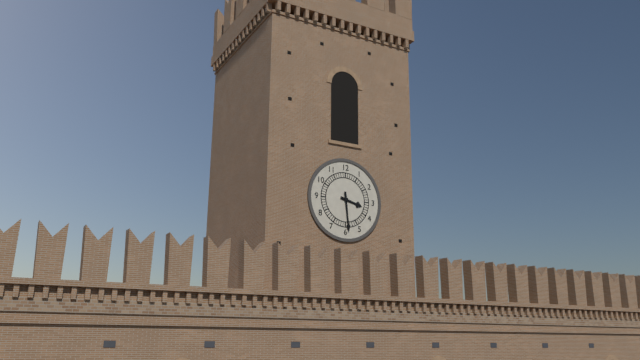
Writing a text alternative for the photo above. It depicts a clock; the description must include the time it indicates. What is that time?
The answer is 3:29
